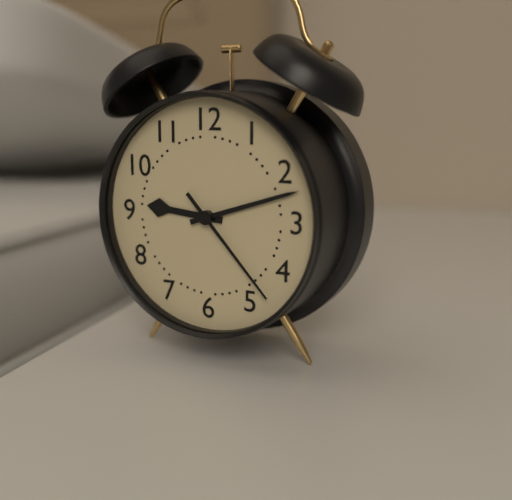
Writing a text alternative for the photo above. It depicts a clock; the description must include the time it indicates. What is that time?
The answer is 9:12:23
